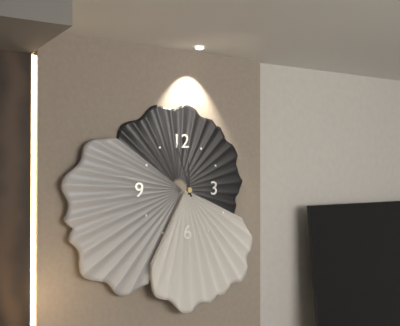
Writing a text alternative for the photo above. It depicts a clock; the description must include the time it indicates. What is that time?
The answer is 11:57
